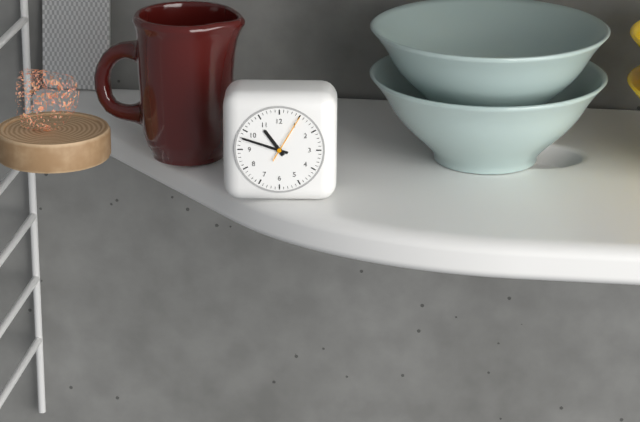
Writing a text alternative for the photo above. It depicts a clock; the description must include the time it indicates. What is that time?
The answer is 10:48
